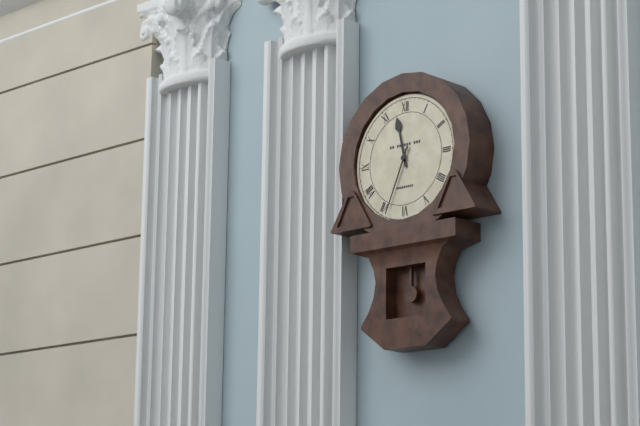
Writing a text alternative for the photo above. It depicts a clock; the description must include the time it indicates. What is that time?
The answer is 11:34
